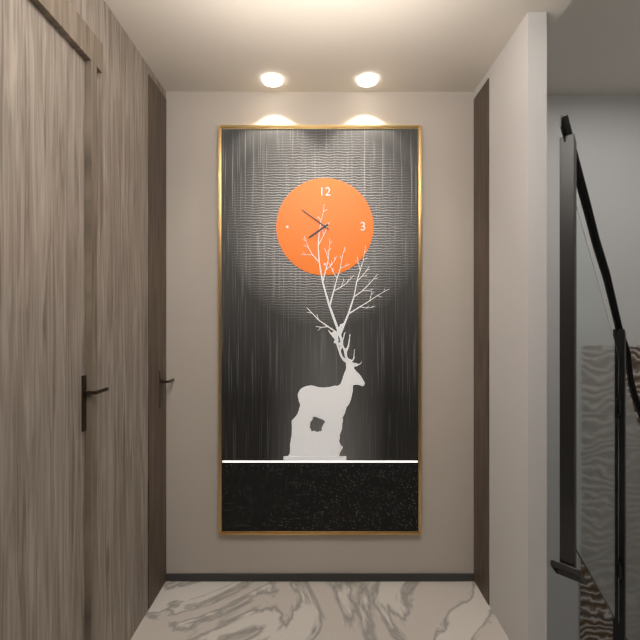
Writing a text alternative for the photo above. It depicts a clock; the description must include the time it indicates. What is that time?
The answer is 7:51
